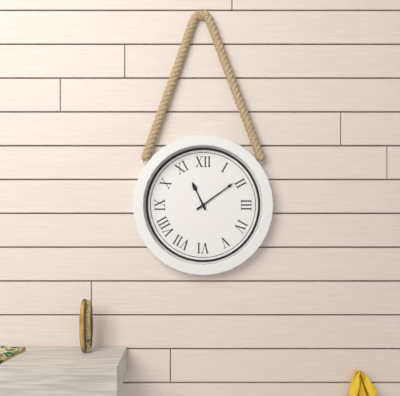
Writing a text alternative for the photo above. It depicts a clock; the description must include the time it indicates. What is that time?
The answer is 11:09
